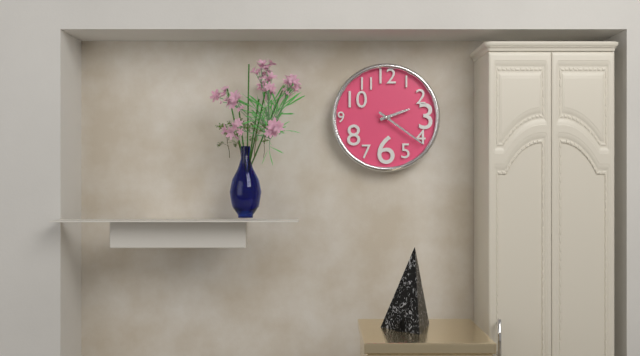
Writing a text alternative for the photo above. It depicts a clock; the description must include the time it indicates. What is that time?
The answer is 2:21
